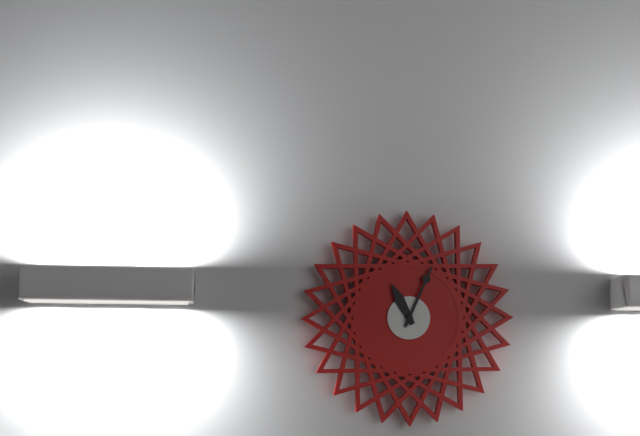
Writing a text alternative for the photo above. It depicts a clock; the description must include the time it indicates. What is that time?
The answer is 11:04
